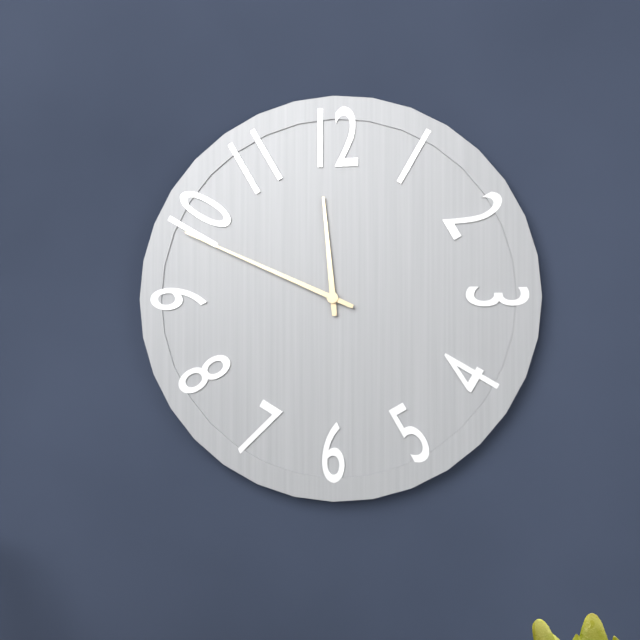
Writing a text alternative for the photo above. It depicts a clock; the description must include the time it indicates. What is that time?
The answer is 11:49
